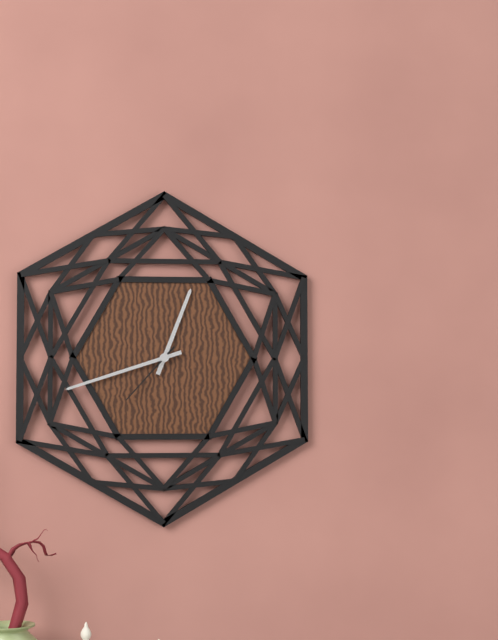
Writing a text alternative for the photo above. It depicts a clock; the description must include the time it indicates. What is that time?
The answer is 12:42:37
